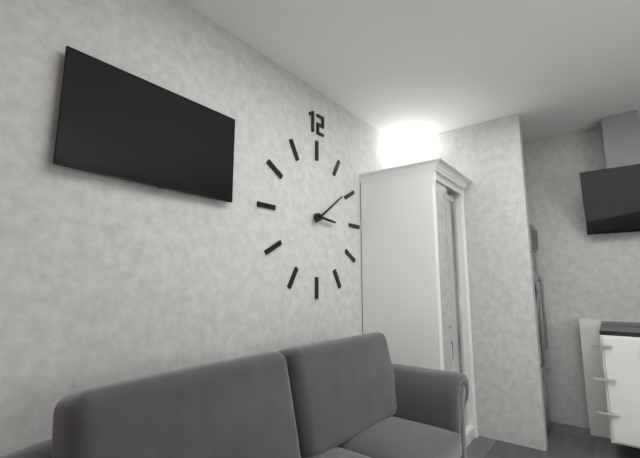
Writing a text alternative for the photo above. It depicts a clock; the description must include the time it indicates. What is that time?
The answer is 3:09
